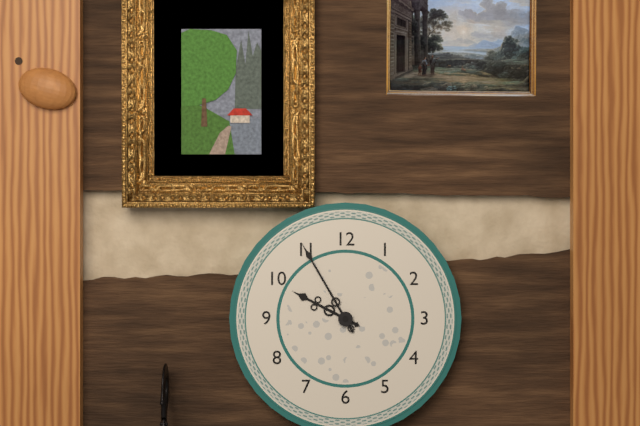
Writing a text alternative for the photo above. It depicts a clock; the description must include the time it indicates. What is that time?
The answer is 9:55
